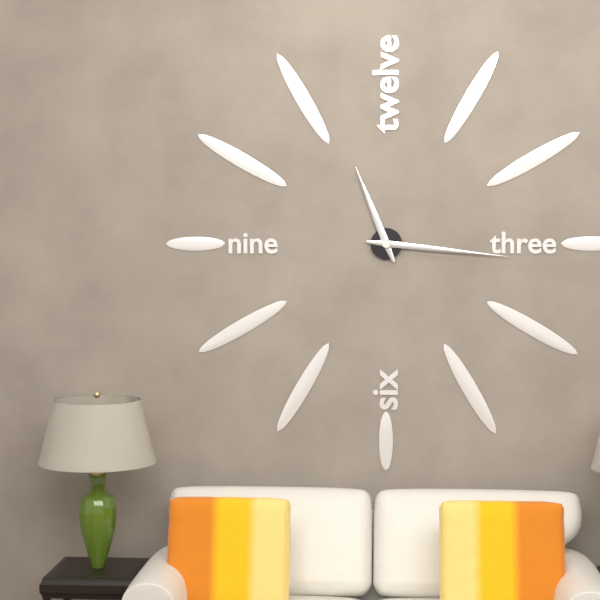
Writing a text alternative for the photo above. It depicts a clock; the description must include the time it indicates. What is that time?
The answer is 11:16
